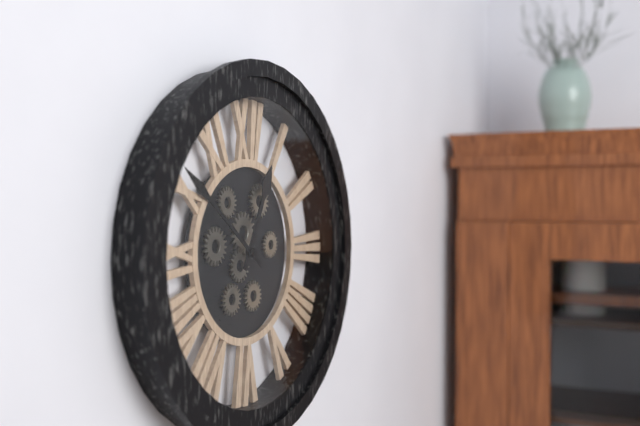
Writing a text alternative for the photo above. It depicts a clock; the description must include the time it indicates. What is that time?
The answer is 12:51
